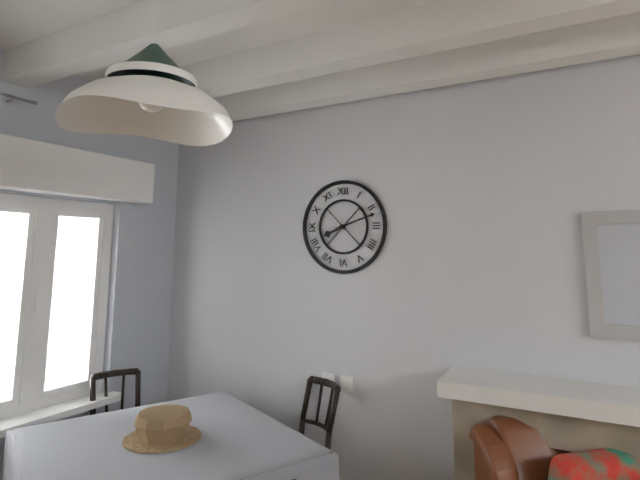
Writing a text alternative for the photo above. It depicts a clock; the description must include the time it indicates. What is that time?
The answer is 8:12
